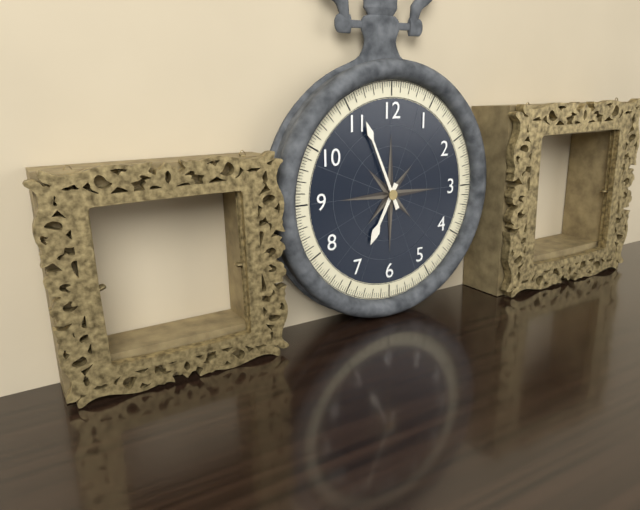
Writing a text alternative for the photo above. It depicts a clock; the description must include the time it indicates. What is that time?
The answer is 6:56
